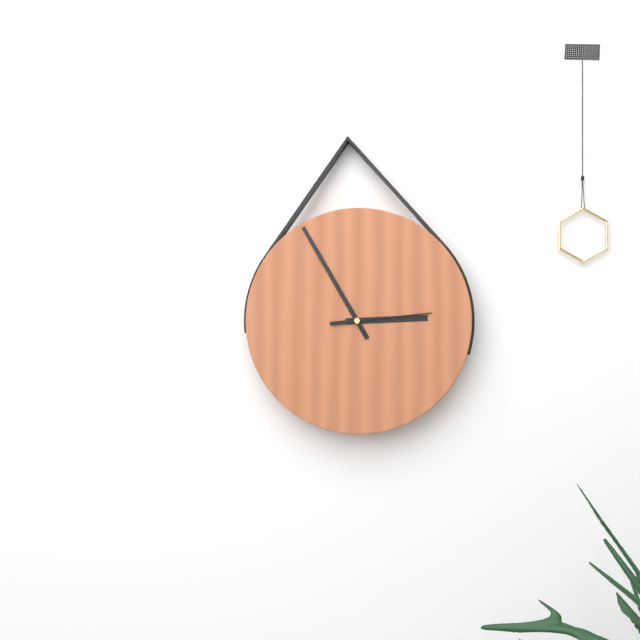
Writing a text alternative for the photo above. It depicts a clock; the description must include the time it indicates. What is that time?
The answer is 2:55:14
